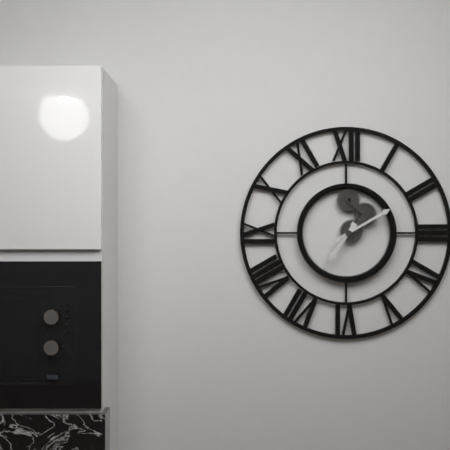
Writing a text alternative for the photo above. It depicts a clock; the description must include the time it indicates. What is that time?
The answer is 7:10
